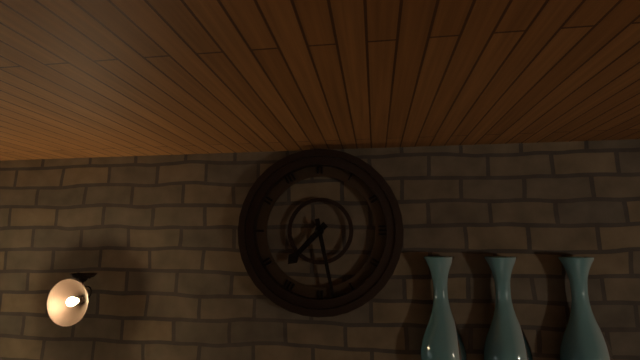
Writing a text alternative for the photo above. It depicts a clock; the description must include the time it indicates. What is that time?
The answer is 7:28
